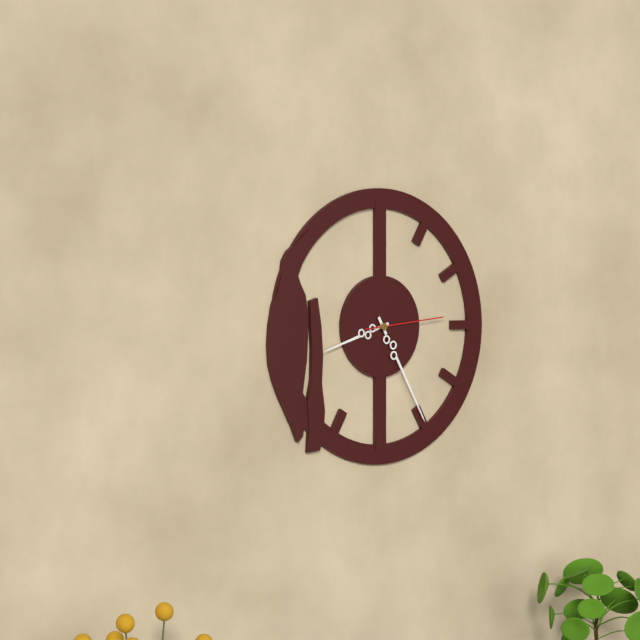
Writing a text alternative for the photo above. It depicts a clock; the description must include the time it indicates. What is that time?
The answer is 8:25:14
